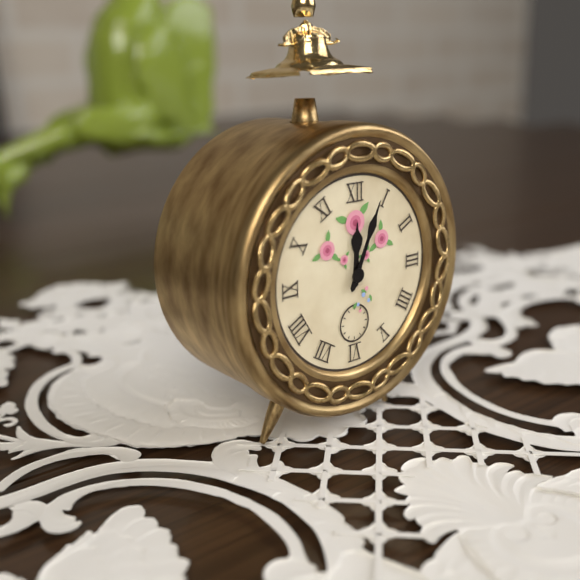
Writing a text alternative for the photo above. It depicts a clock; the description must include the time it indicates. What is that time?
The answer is 12:04
